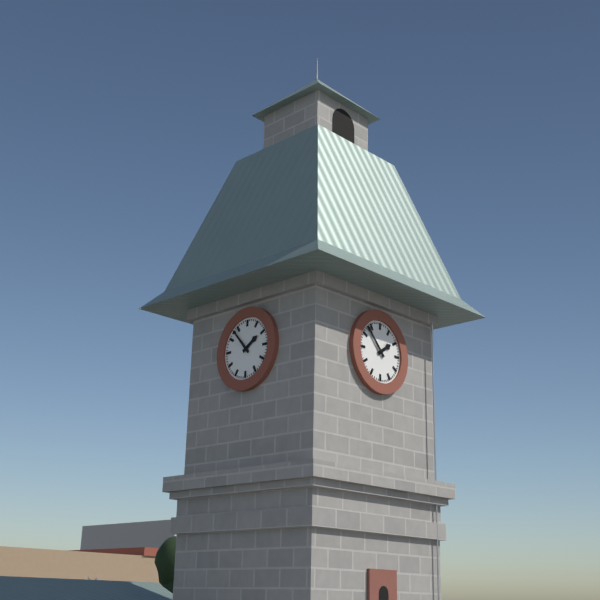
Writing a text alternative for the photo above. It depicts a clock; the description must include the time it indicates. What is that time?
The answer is 1:53
